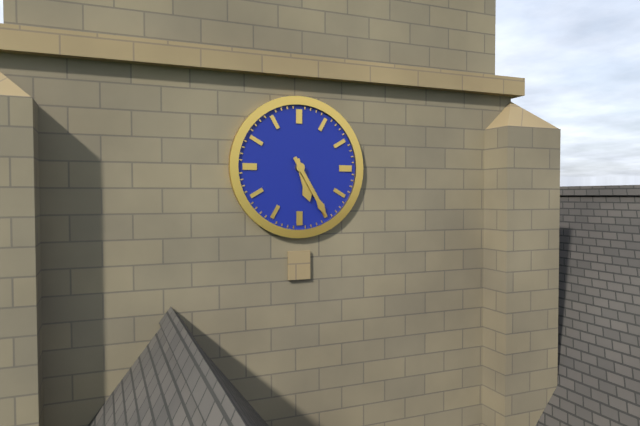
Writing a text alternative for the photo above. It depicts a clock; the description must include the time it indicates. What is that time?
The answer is 5:25
